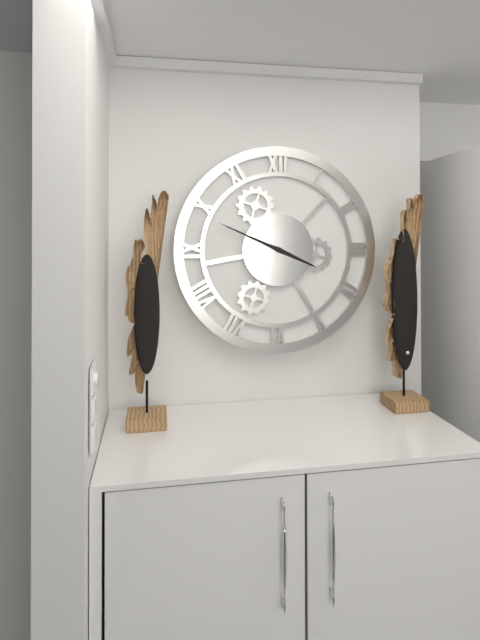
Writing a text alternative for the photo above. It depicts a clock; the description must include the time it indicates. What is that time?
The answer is 3:49
